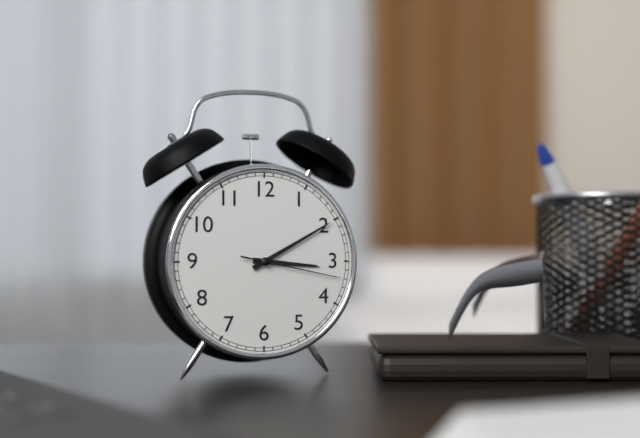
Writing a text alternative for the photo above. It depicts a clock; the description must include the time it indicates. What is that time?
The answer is 3:10:17
